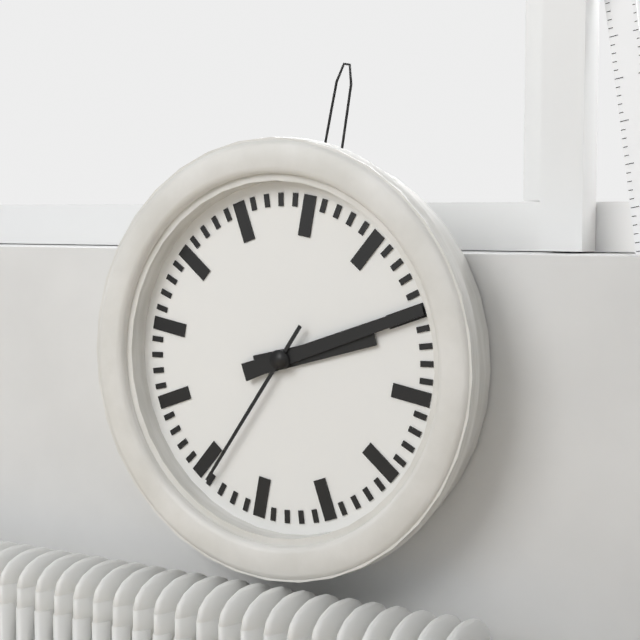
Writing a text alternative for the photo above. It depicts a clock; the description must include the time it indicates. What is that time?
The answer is 2:10:34
